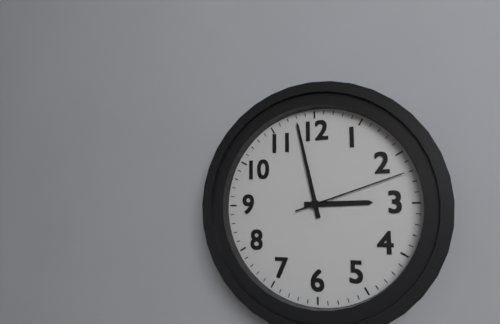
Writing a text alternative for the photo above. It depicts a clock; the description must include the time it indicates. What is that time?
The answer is 2:58:12
